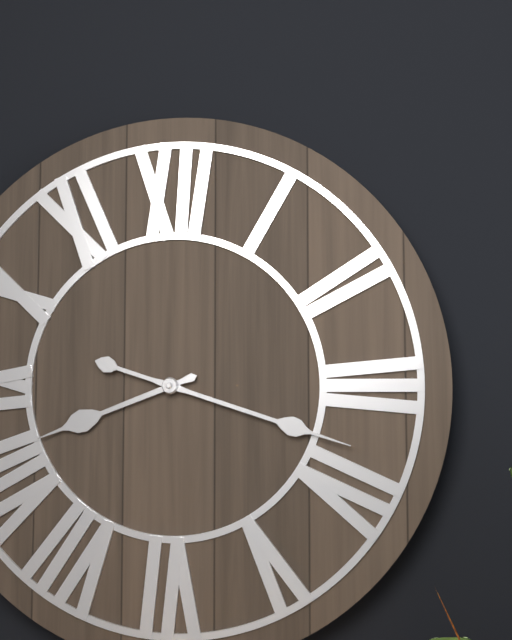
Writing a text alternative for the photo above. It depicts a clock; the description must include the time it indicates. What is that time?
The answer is 8:18
